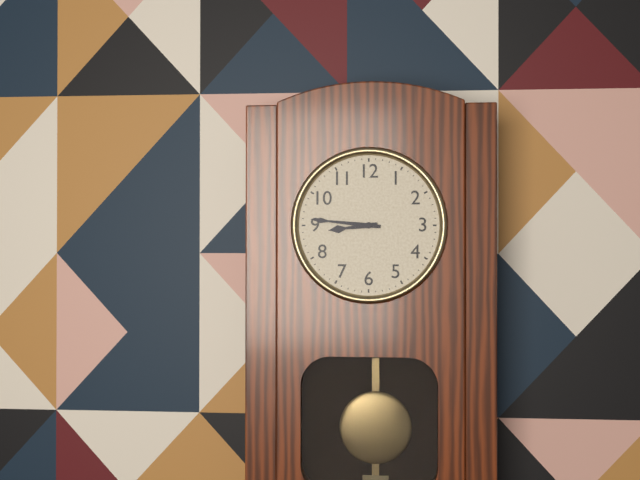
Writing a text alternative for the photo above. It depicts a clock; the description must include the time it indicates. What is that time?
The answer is 8:46
